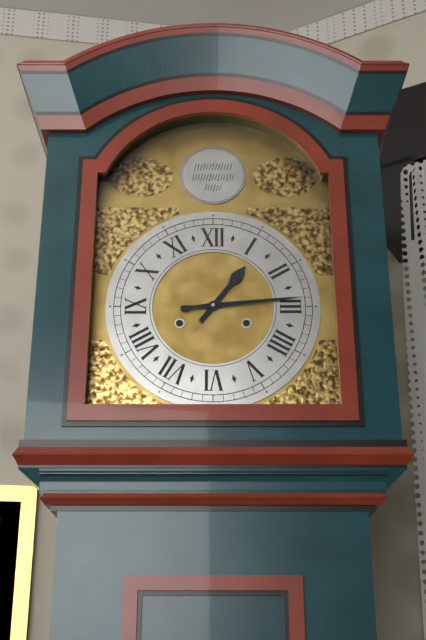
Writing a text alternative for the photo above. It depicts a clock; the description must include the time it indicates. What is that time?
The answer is 1:14
